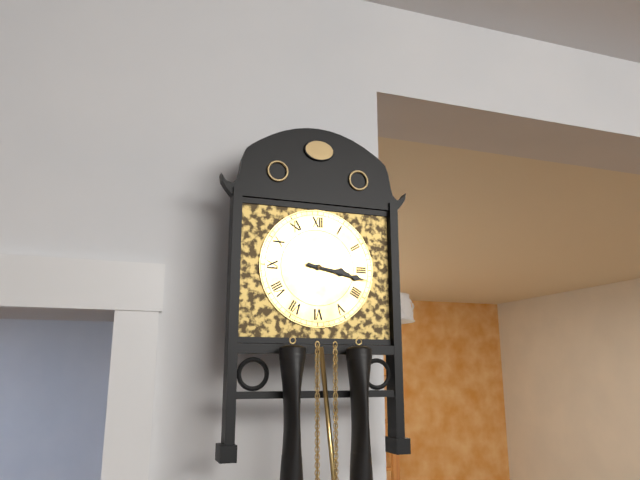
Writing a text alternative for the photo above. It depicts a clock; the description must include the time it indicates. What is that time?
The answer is 3:17
